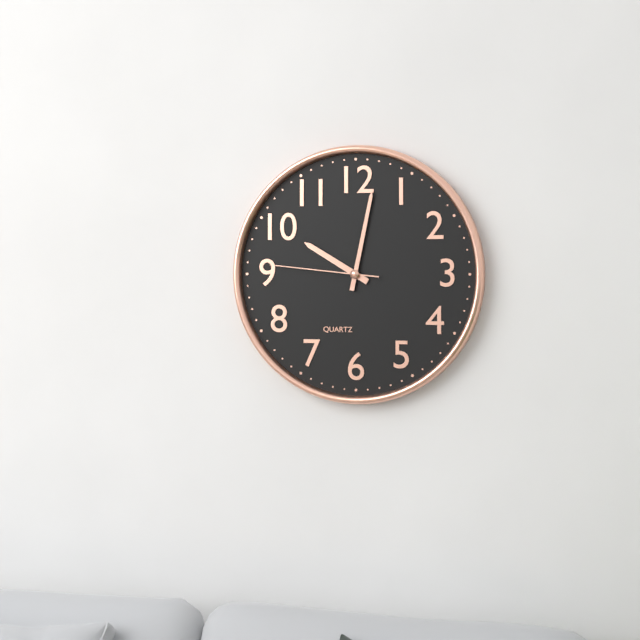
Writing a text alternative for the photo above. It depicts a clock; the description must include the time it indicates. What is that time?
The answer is 10:02:46
